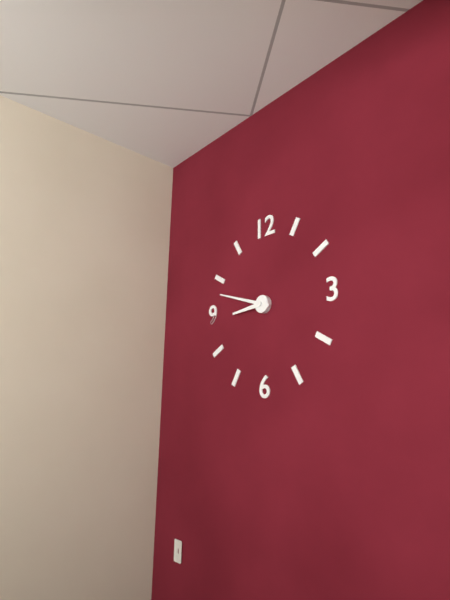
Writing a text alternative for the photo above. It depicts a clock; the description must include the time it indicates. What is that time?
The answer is 8:48
